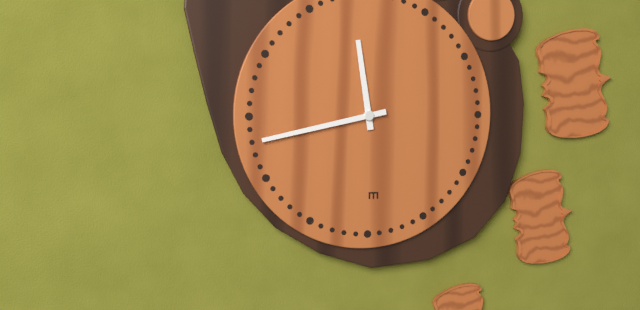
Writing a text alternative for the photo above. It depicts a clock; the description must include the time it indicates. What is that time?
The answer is 11:43
